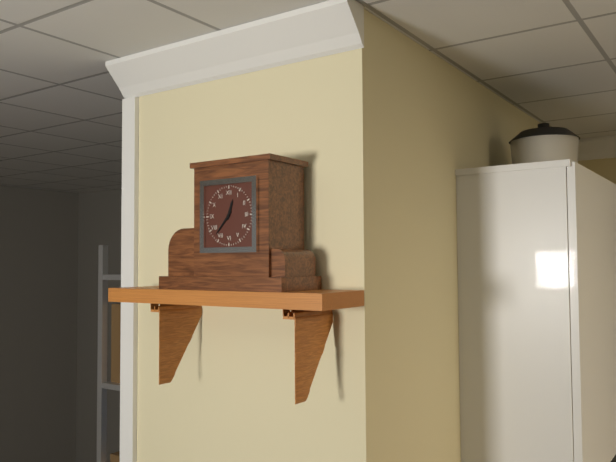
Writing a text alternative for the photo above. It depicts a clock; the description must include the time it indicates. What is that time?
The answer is 12:37
